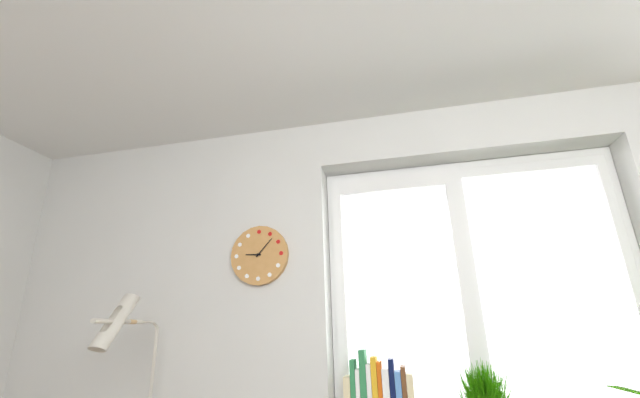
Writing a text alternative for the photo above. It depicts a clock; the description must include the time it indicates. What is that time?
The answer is 9:07
